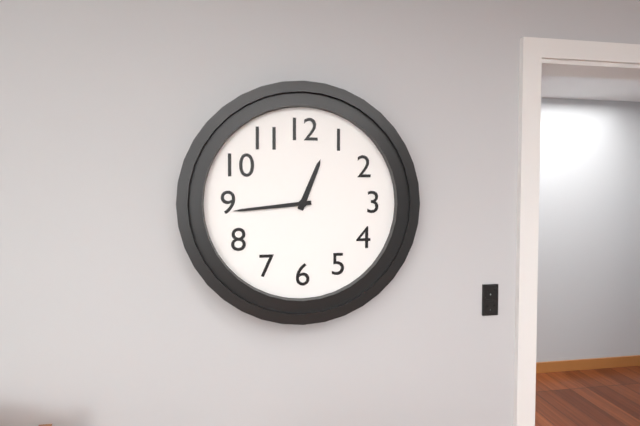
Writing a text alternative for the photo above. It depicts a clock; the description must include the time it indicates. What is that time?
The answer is 12:44
